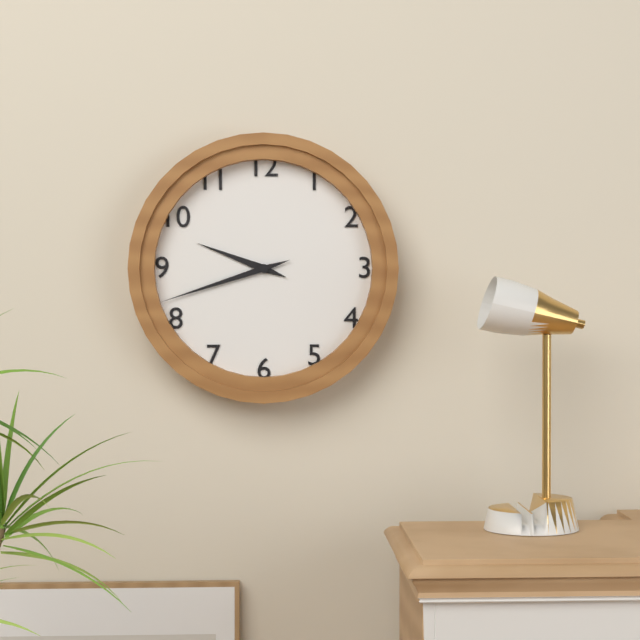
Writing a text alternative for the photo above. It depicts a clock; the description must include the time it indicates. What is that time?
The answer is 9:42
